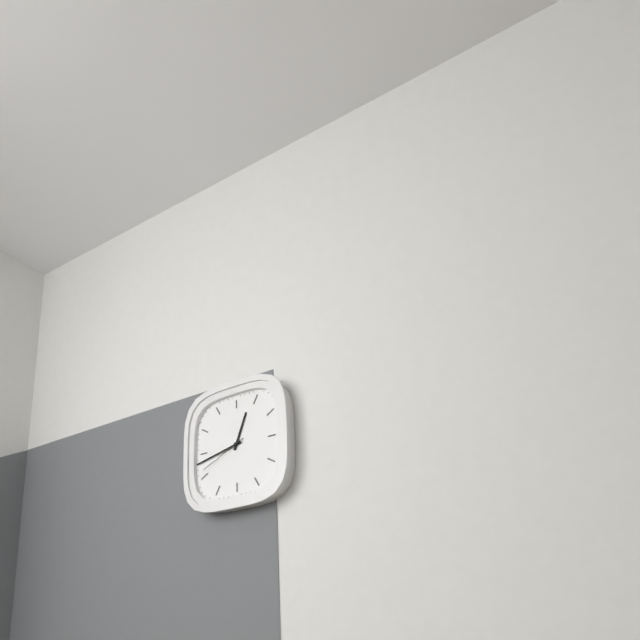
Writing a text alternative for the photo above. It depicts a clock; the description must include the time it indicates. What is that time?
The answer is 12:43:41
